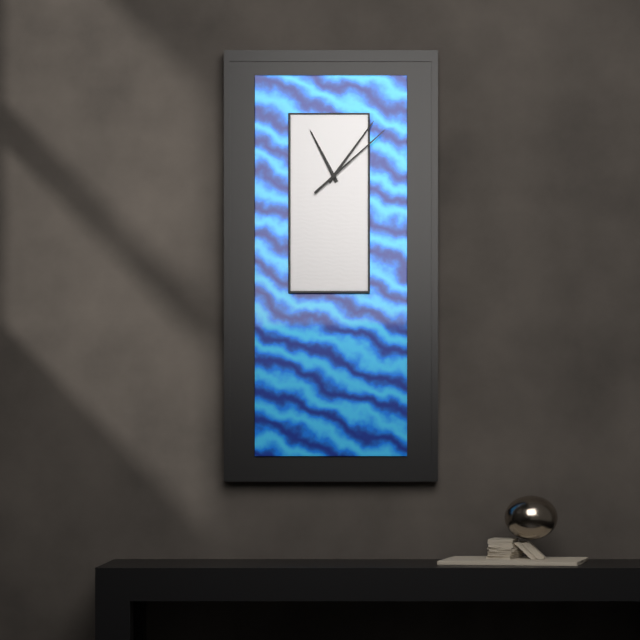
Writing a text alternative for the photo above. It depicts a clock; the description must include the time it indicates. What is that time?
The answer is 11:06:08
